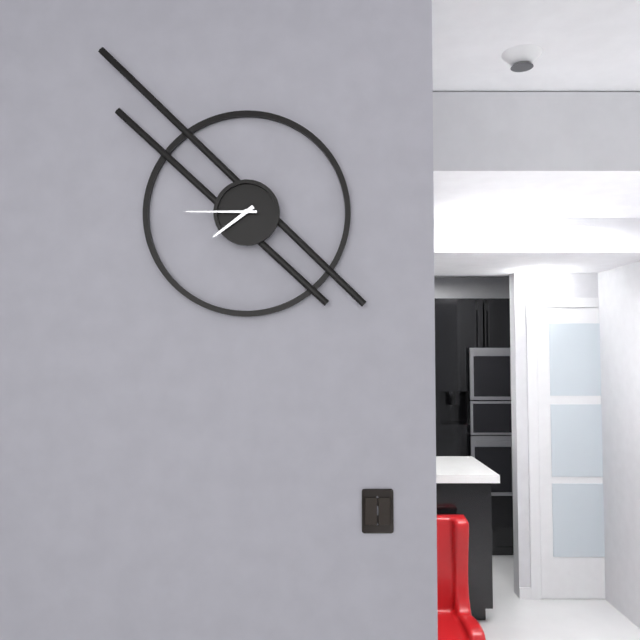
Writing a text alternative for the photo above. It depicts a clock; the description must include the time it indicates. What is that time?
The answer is 7:45
